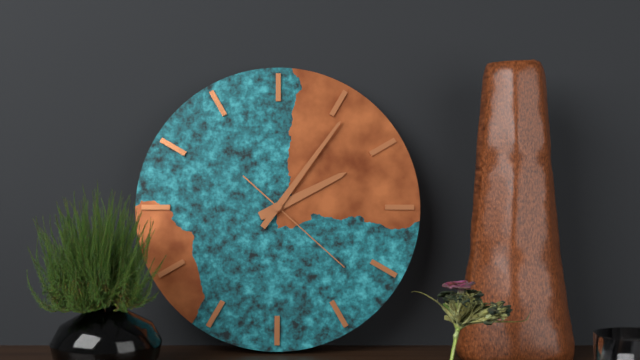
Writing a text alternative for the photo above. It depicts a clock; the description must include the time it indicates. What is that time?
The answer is 2:06:22
